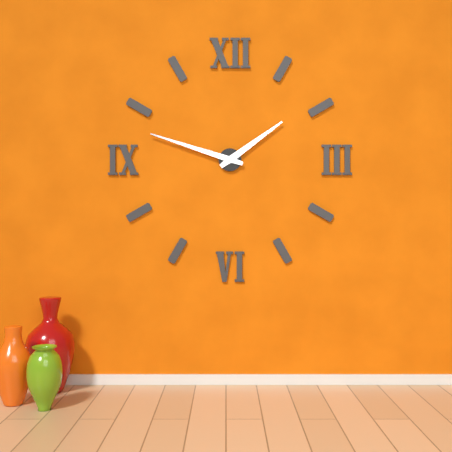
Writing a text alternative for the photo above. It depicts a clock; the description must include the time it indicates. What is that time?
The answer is 1:48
